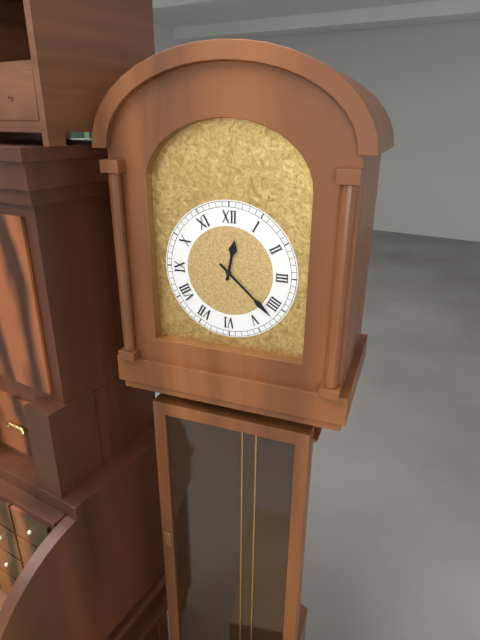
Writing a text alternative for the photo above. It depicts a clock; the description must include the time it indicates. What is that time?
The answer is 12:22
